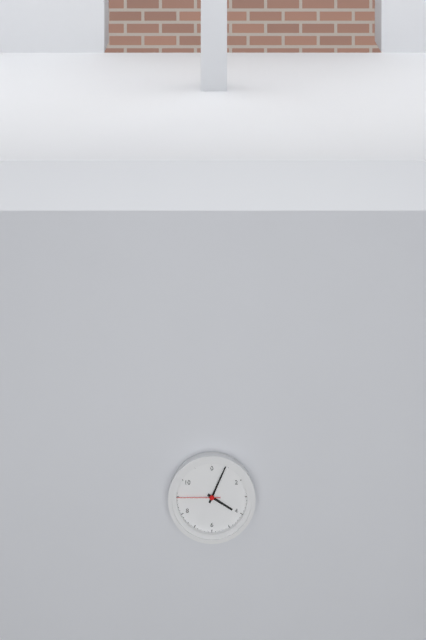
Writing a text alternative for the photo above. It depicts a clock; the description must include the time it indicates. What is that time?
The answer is 4:04
